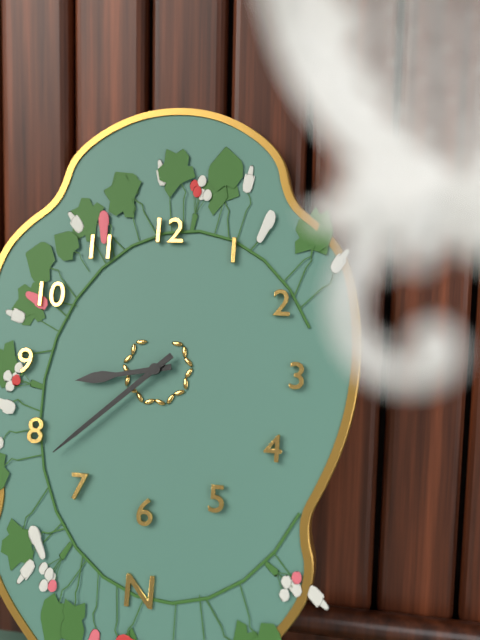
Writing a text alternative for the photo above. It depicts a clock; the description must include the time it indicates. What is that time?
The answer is 8:38
